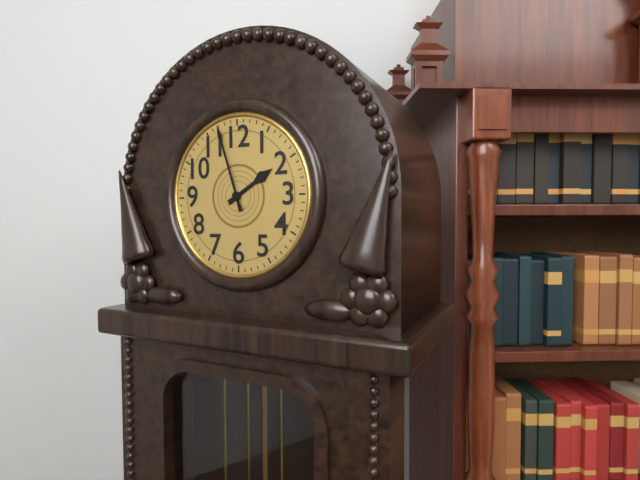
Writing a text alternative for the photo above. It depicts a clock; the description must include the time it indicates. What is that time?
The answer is 1:57
